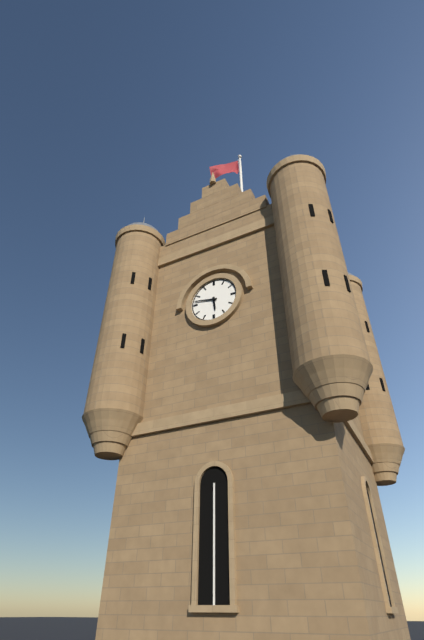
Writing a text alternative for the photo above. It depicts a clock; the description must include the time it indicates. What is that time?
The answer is 5:47
